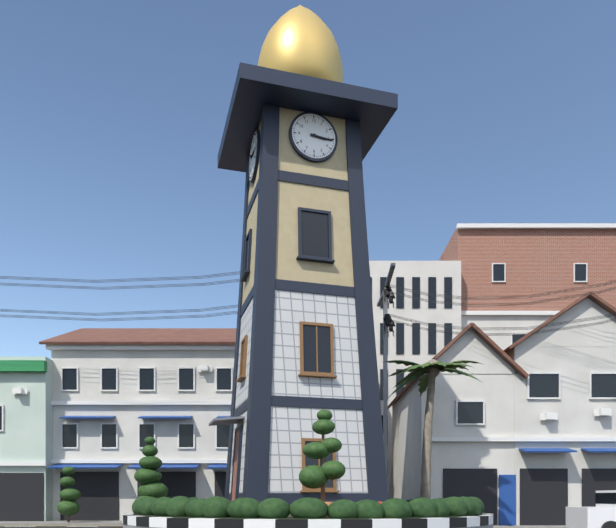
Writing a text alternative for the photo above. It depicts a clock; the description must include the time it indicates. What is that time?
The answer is 3:16
